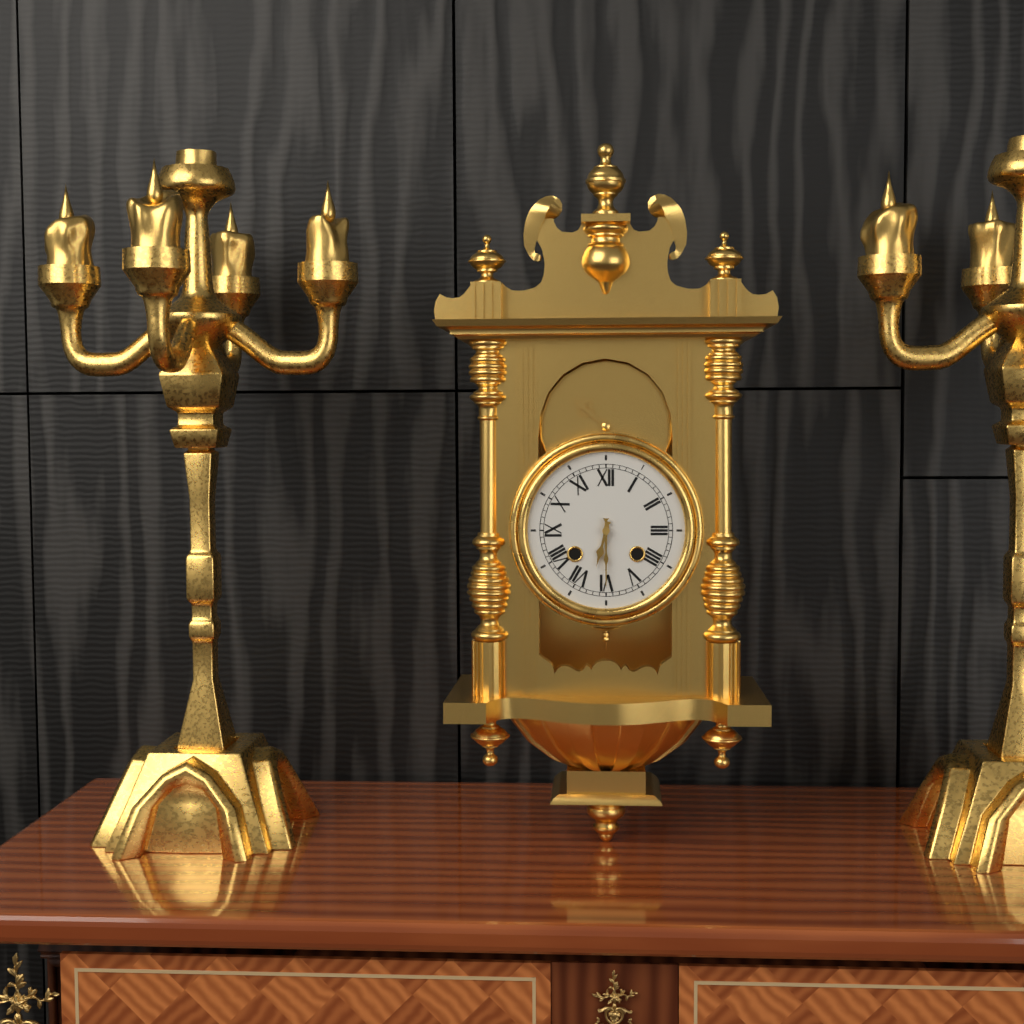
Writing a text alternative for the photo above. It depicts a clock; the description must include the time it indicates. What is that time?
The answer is 6:30
